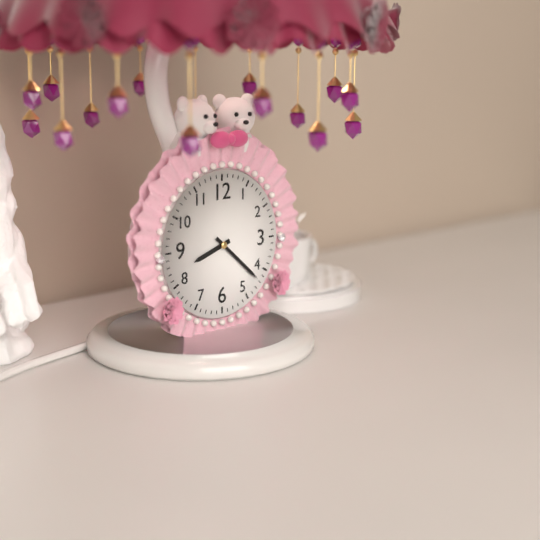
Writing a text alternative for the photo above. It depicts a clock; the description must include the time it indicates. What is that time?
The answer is 8:22
